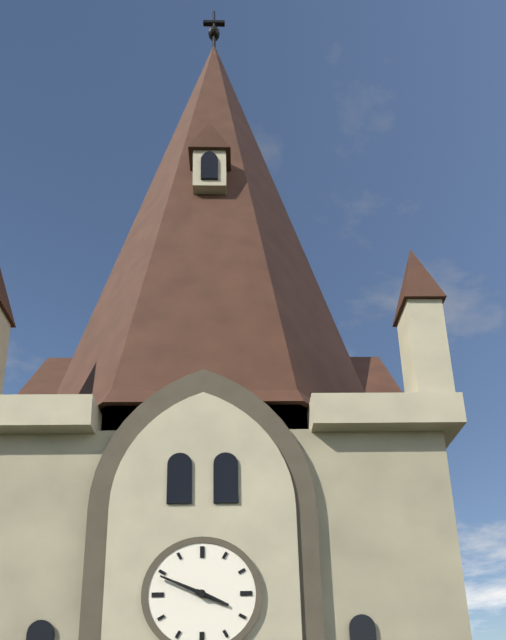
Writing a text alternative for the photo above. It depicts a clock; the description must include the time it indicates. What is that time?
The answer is 3:49
